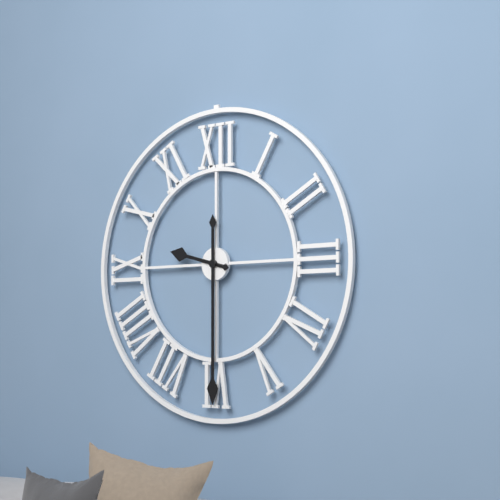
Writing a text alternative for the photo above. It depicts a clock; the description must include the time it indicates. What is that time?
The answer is 9:30
